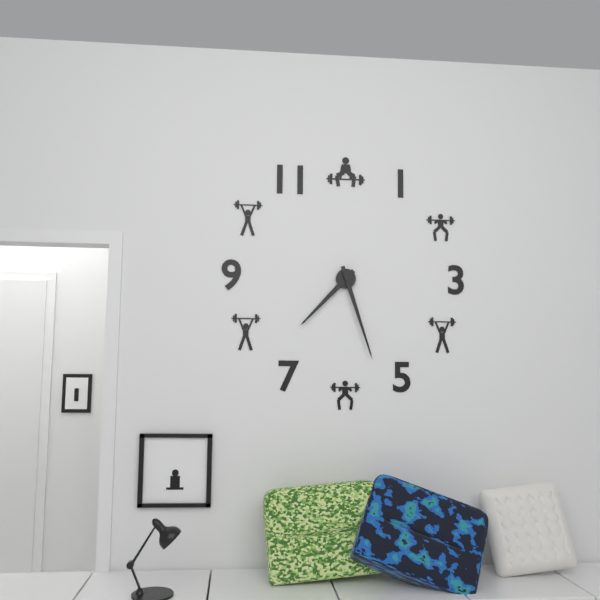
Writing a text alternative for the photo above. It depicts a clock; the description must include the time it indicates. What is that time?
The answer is 7:27
